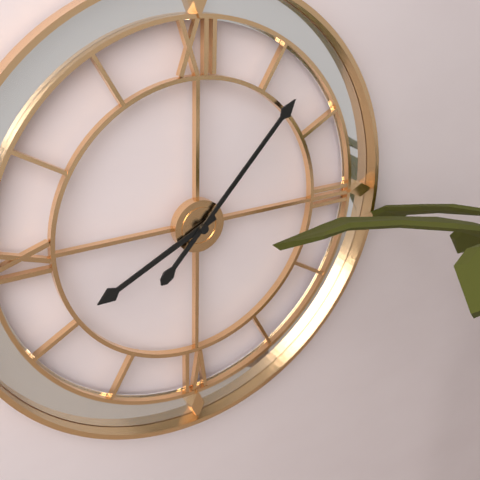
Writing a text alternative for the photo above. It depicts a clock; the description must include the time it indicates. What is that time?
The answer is 8:07
